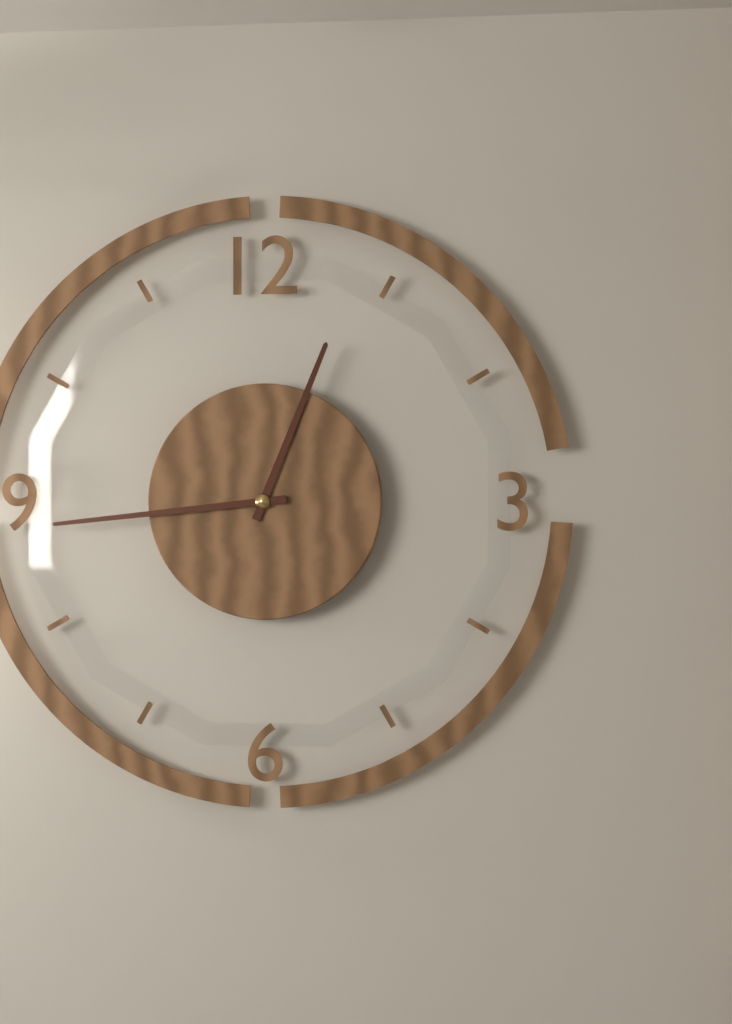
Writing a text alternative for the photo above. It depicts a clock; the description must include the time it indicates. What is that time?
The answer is 12:44
